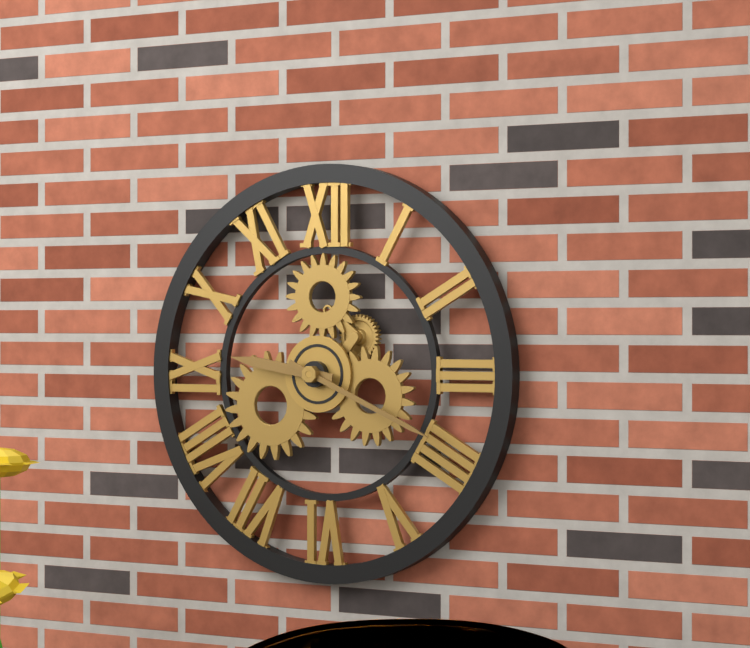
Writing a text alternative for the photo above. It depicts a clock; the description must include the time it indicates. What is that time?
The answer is 9:19
